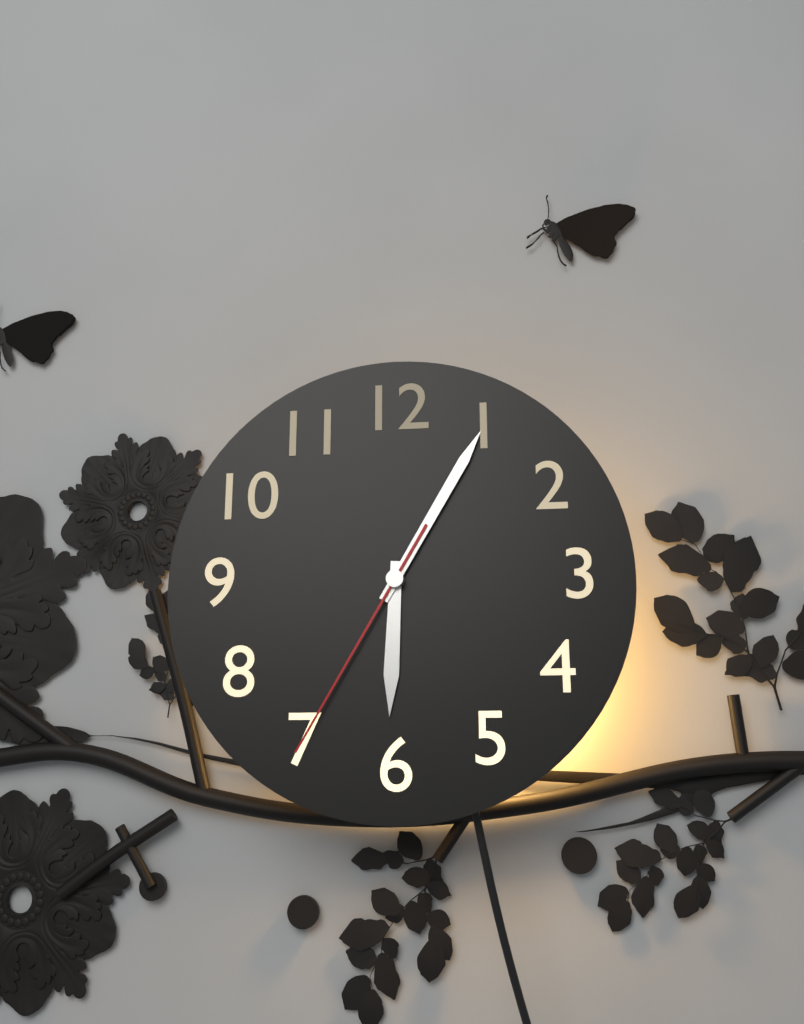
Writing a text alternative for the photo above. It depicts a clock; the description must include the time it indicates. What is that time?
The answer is 6:05:35
